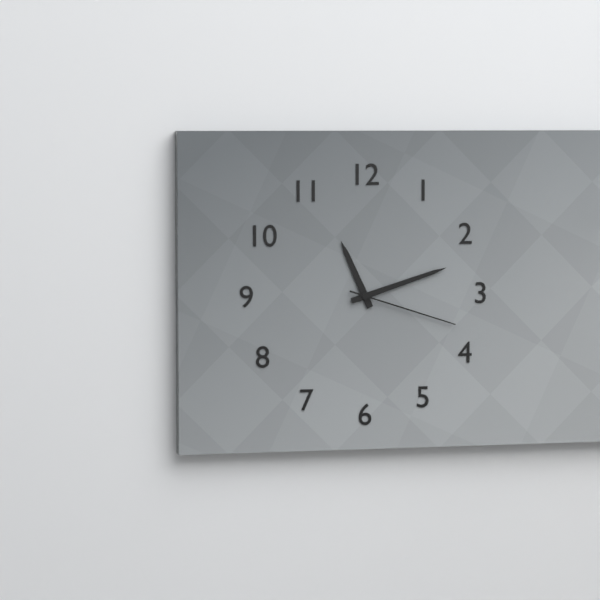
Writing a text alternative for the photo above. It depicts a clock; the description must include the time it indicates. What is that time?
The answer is 11:12:18
